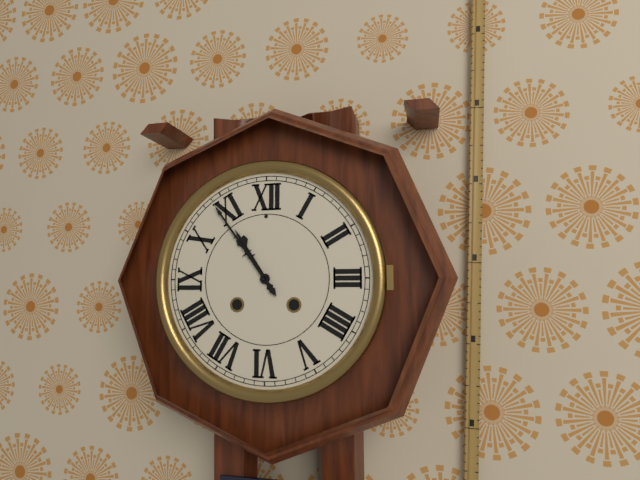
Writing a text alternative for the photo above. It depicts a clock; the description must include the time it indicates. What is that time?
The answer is 10:54
